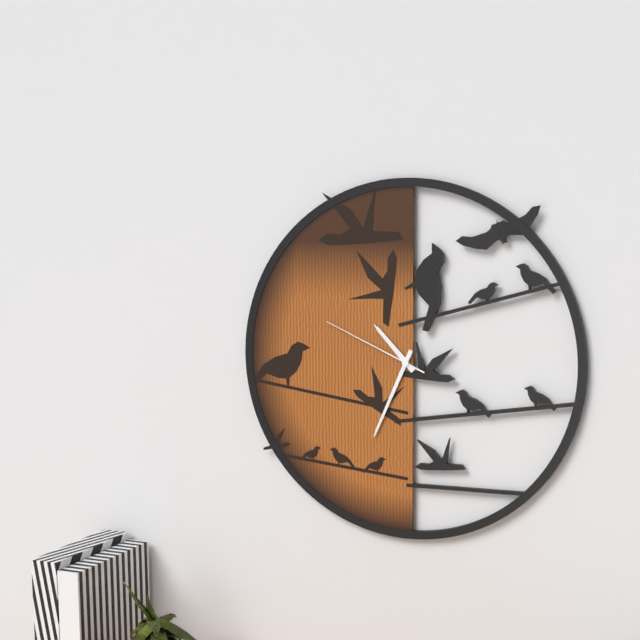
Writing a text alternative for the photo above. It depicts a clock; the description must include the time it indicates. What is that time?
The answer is 10:34:49
